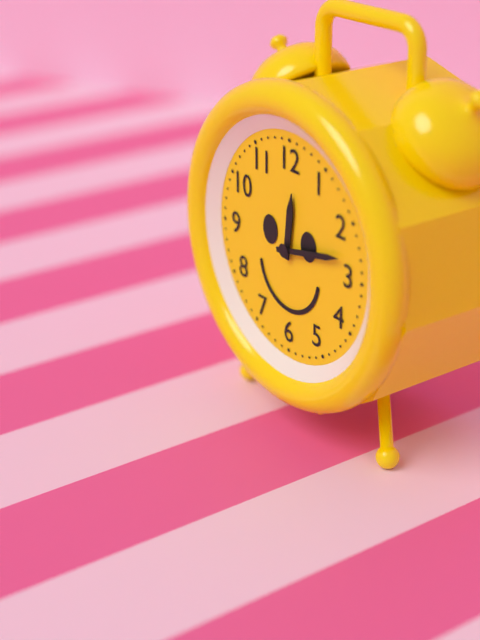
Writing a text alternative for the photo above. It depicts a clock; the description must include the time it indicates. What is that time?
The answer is 12:13
